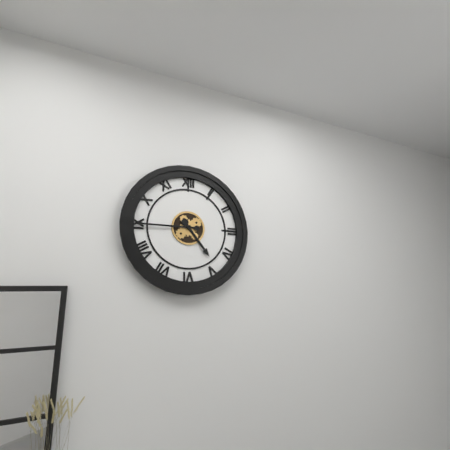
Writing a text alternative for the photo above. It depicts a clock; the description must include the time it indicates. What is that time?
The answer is 4:45
